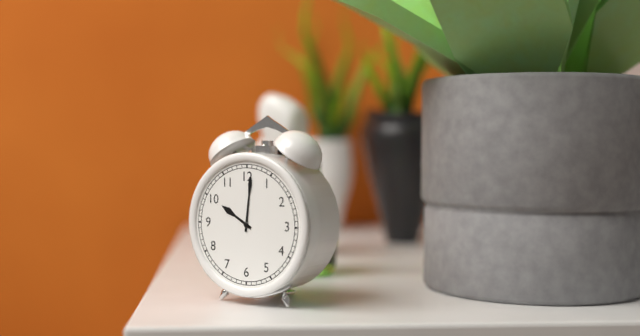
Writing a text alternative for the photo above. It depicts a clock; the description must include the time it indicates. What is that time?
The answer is 10:01
